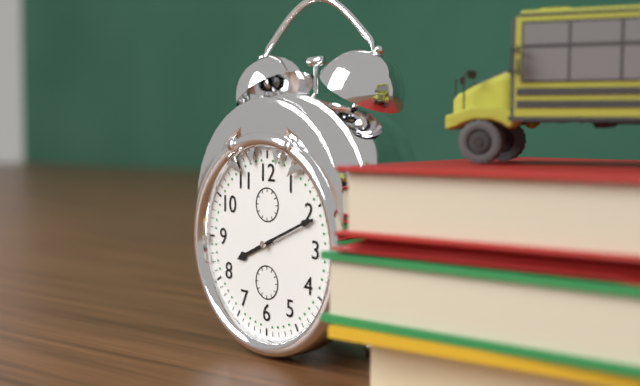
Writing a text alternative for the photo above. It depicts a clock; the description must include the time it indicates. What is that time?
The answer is 8:11
